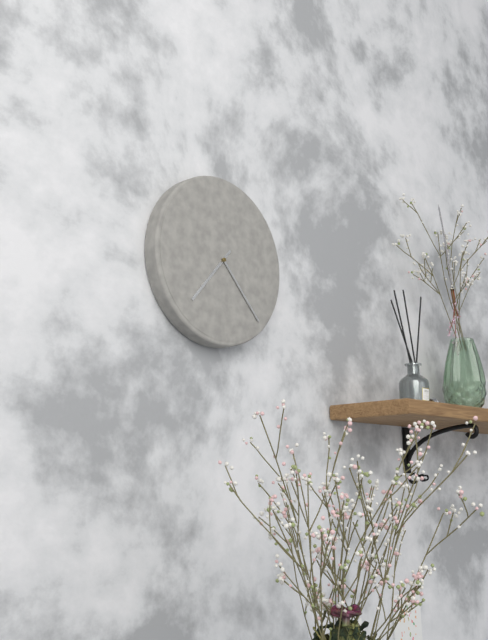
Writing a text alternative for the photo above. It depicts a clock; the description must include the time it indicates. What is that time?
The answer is 7:23
